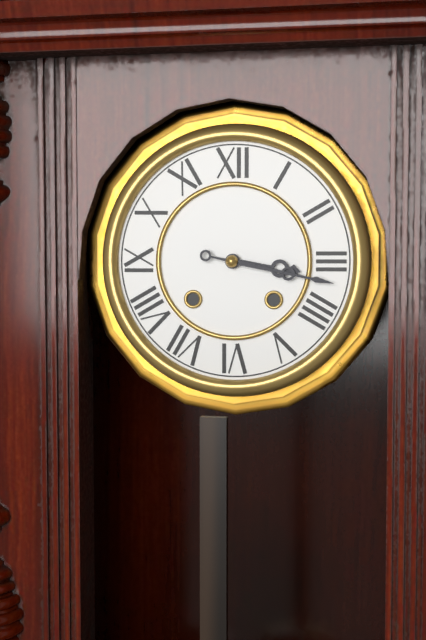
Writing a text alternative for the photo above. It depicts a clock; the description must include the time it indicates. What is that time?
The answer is 3:17
